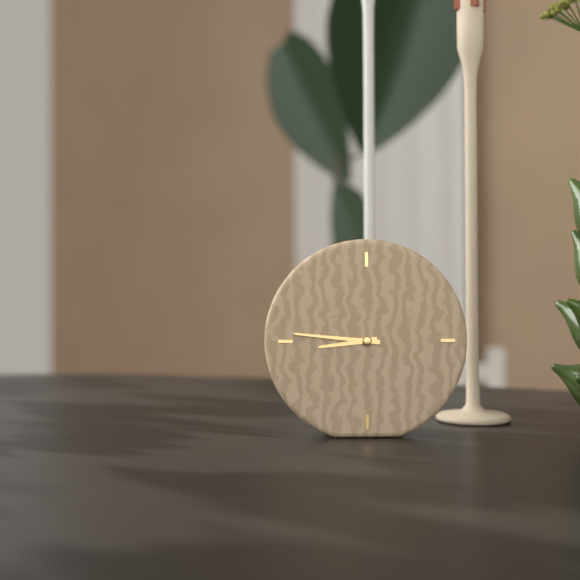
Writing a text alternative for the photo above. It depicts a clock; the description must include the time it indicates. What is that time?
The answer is 8:46
